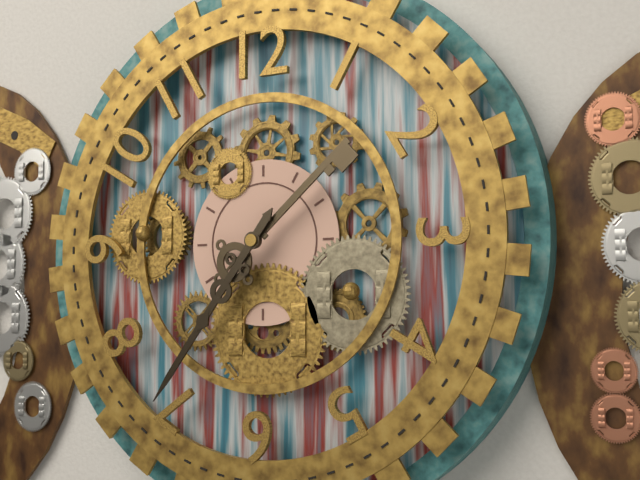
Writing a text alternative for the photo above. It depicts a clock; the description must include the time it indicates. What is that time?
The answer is 1:36
